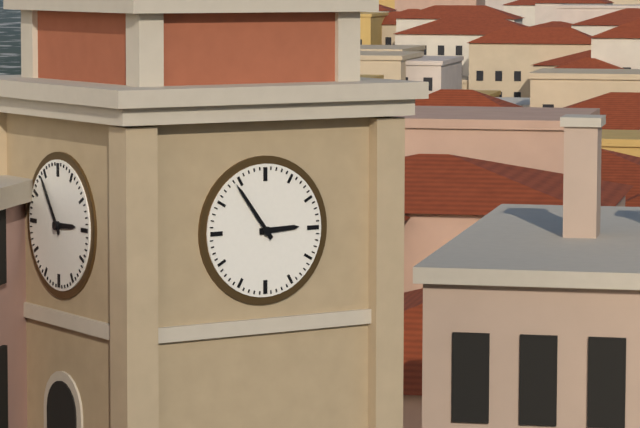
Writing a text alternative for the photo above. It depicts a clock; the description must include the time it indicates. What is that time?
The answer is 2:54
